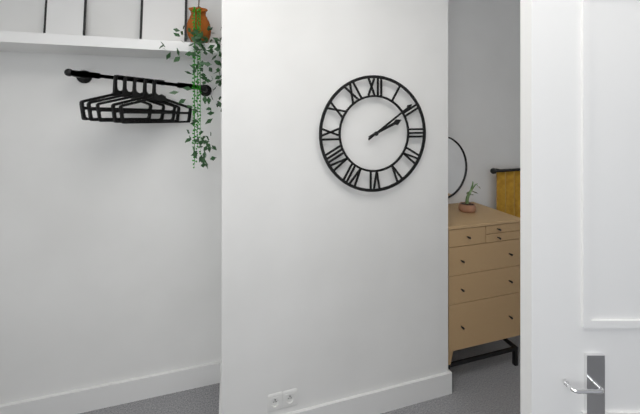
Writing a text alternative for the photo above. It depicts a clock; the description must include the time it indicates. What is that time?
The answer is 2:09
